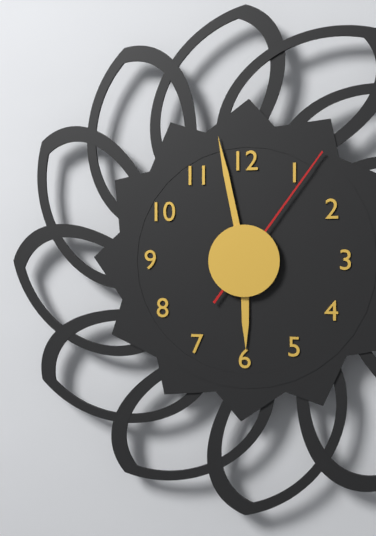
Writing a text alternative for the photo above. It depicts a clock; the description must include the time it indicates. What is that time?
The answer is 5:58:06
